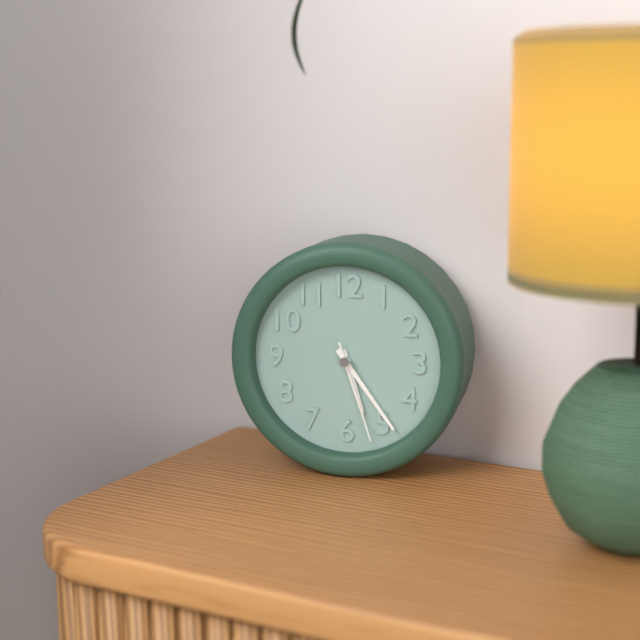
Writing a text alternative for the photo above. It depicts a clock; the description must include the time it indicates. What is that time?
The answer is 5:24:27
